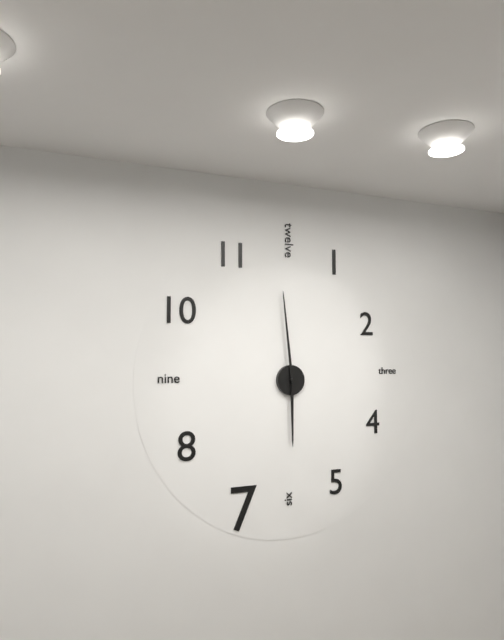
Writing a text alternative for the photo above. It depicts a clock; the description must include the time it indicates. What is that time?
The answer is 5:59
